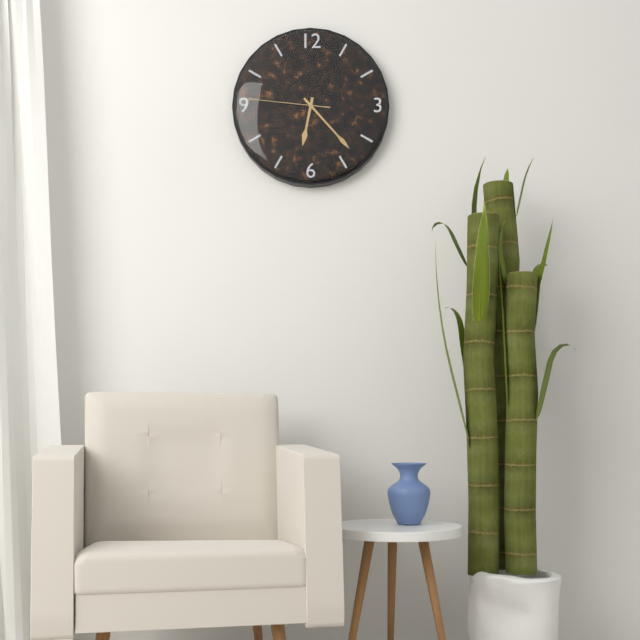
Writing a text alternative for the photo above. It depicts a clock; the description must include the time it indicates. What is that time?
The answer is 6:23:46
